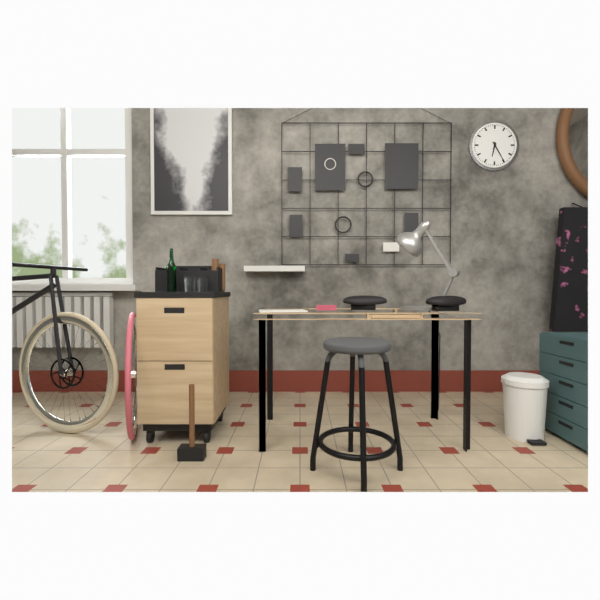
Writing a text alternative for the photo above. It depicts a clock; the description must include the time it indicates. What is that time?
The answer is 6:25
